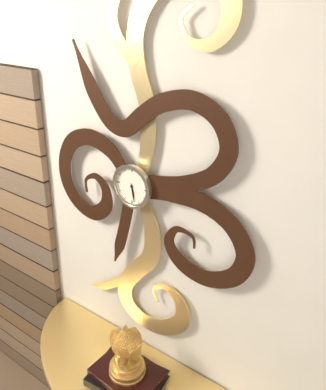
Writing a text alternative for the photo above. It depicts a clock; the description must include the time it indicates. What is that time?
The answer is 5:28
